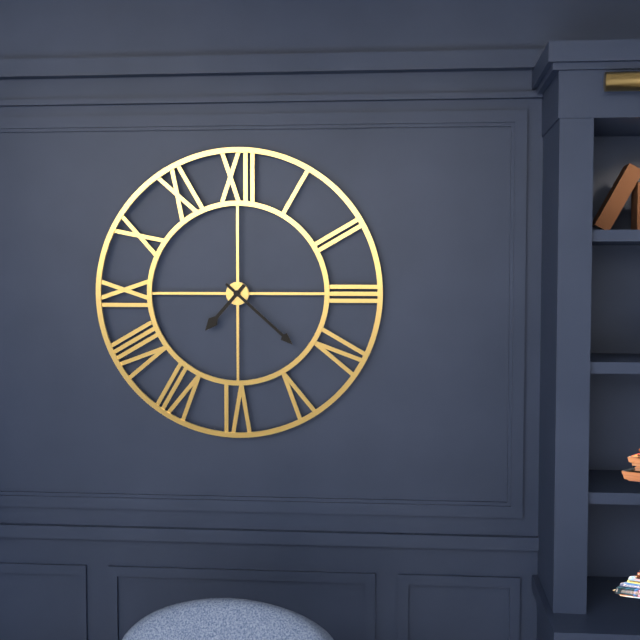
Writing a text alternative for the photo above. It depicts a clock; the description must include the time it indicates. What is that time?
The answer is 7:22
